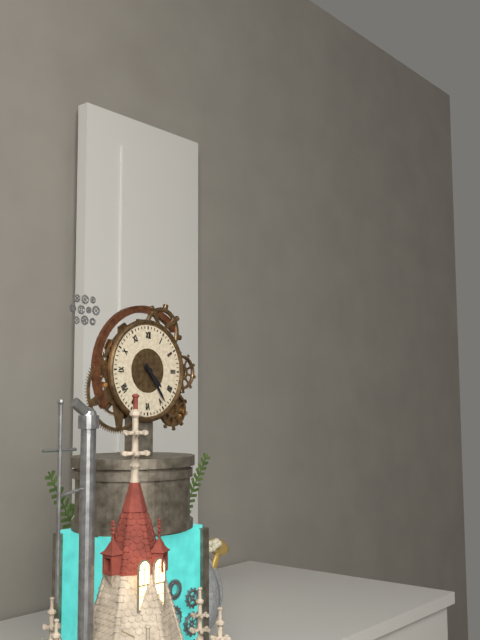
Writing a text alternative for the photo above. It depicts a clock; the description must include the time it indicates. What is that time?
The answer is 4:24
